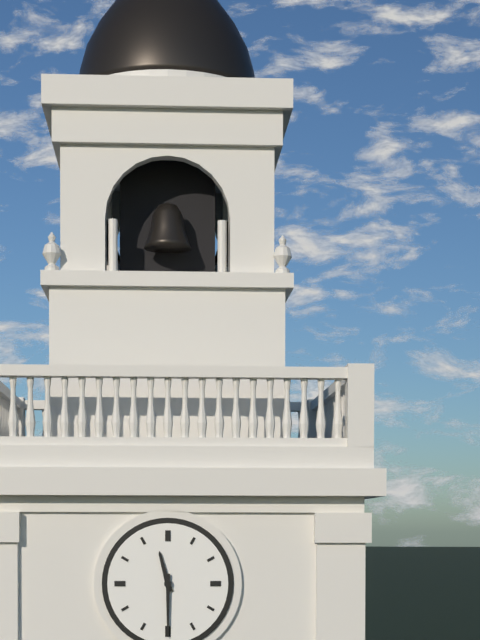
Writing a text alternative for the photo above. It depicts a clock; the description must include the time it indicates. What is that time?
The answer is 11:30
